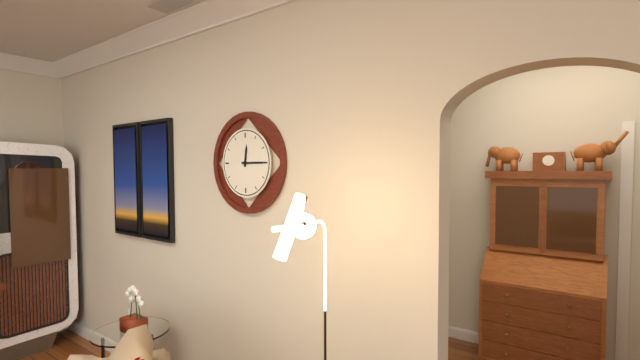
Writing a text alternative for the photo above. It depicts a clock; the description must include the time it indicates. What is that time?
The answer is 12:15
